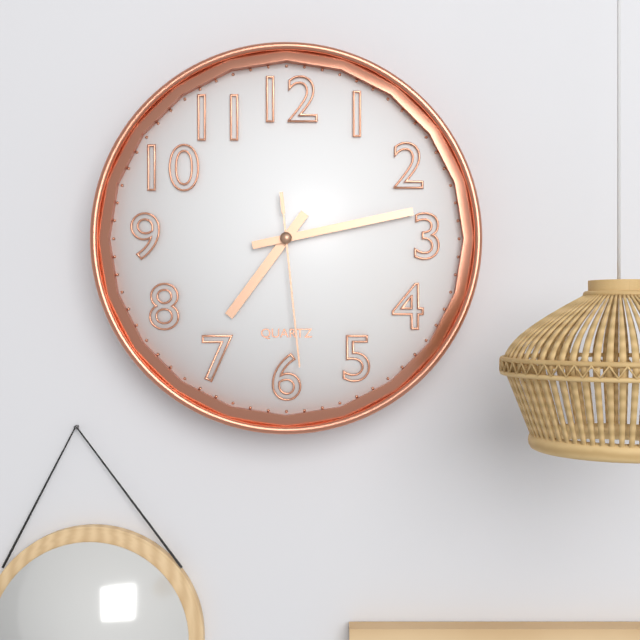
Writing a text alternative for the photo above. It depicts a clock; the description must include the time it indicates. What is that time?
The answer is 7:13:29
